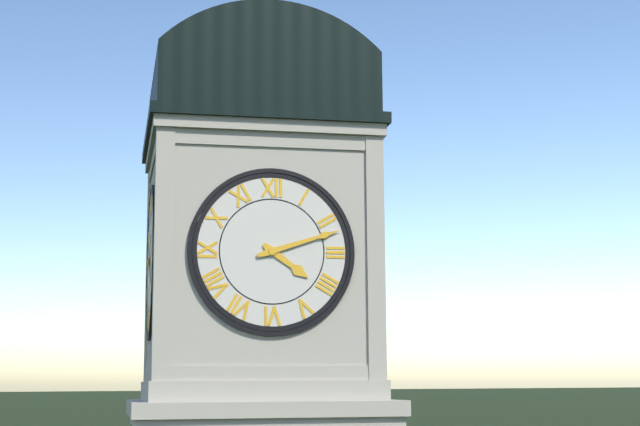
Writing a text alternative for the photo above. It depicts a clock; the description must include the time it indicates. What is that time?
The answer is 4:12
